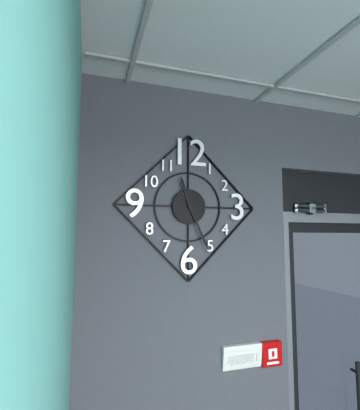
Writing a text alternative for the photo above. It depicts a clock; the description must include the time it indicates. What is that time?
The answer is 11:26
